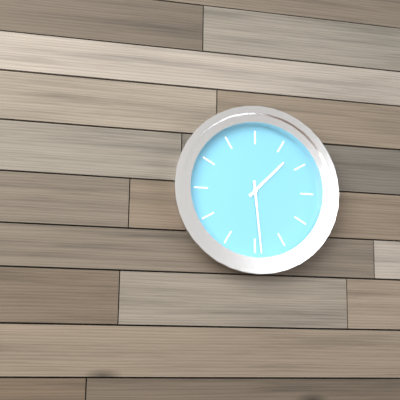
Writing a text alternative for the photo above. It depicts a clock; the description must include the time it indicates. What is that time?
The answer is 1:29
